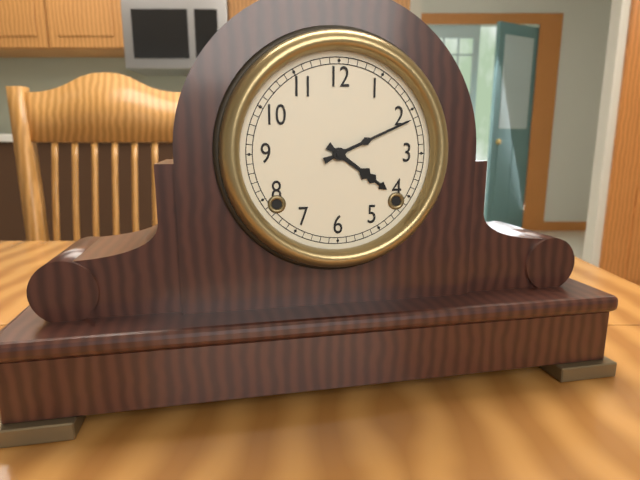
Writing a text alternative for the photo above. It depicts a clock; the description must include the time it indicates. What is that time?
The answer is 4:11
